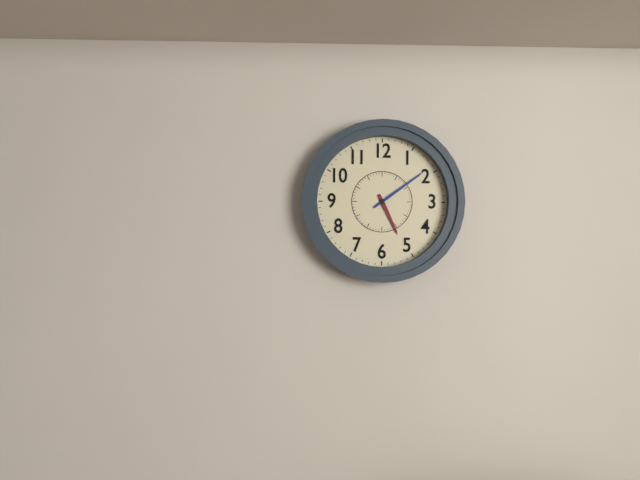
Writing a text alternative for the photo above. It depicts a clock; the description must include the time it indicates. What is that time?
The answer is 5:09
